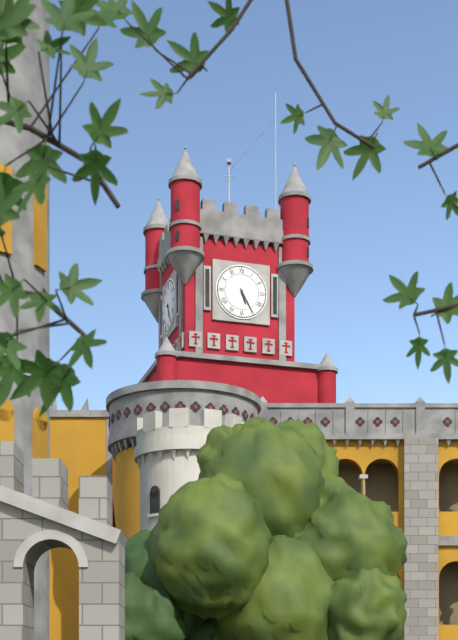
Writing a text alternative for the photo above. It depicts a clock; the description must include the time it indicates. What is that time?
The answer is 5:25
